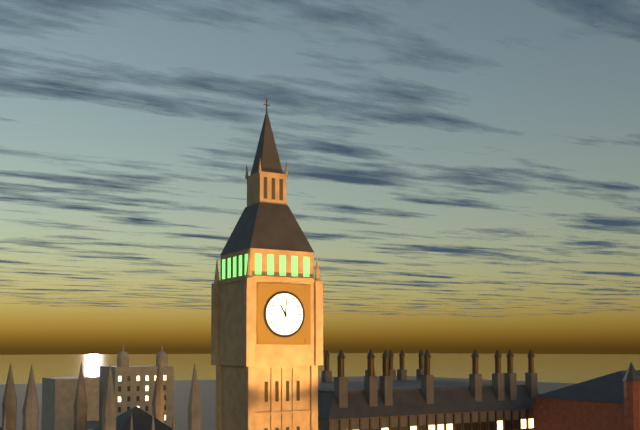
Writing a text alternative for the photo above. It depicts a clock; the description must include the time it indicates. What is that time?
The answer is 11:01
